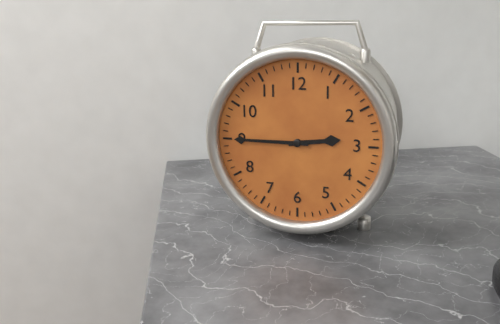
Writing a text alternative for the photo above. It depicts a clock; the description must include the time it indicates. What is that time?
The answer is 2:45
